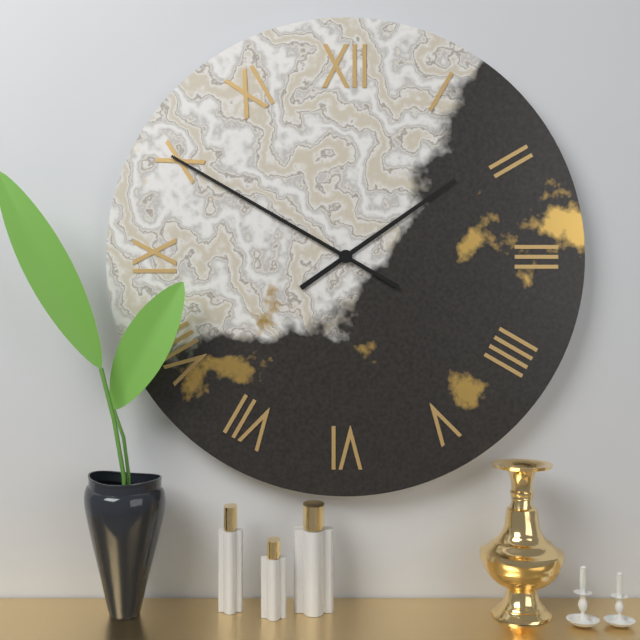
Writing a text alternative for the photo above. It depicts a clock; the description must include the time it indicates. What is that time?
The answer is 1:50
